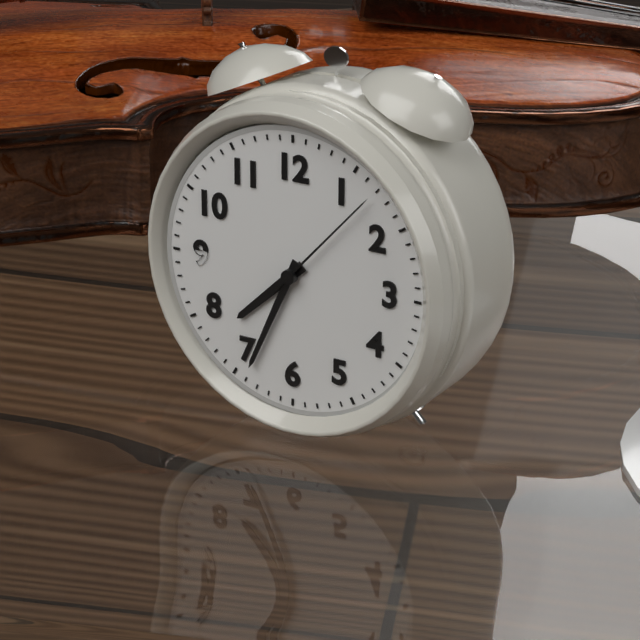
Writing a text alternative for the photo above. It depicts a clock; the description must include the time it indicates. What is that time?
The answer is 7:34:07
